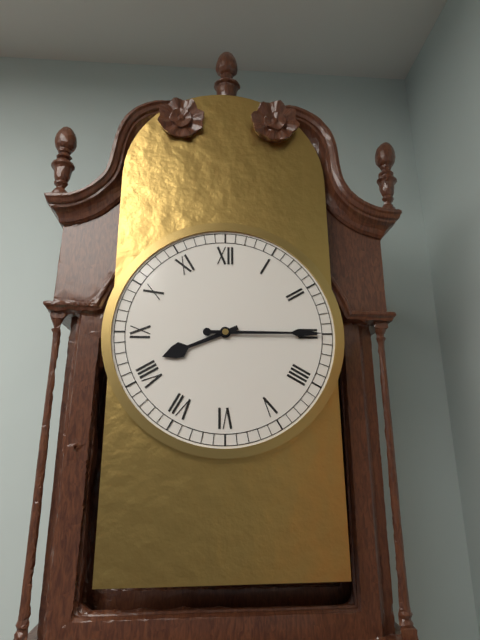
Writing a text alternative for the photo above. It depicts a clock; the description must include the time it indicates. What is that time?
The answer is 8:15
